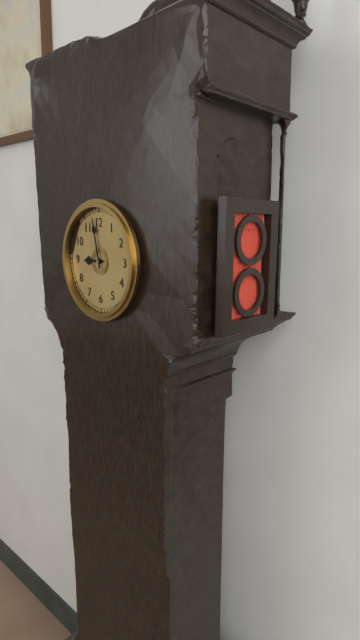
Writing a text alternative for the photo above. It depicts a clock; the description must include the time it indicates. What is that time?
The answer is 8:58
